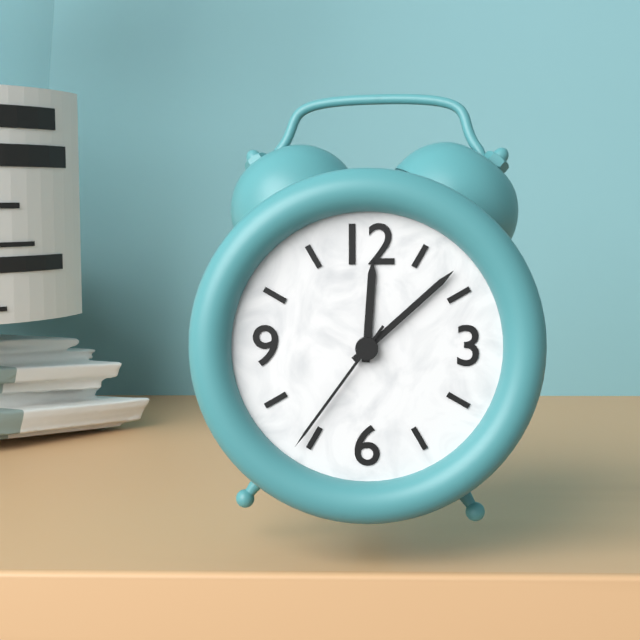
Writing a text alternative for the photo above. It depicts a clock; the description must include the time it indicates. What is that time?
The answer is 12:08:36
